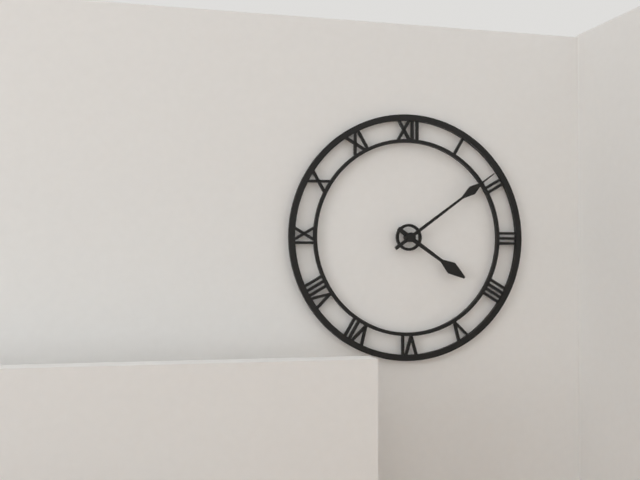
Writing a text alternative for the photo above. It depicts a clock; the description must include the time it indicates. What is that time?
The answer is 4:09
